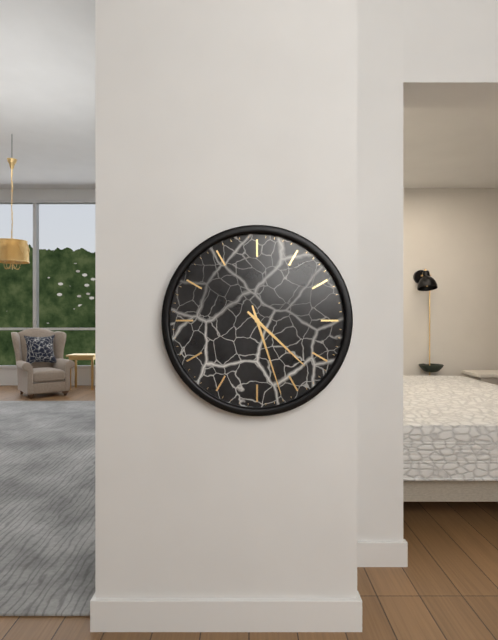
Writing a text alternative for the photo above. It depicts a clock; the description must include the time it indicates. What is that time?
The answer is 4:27
